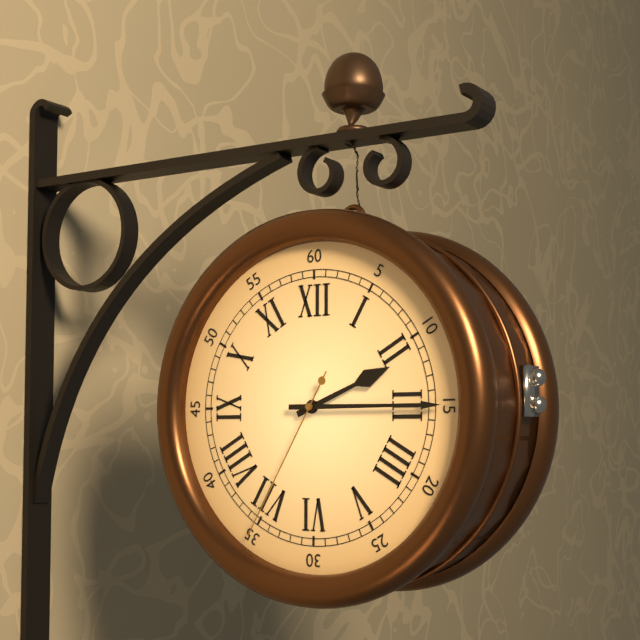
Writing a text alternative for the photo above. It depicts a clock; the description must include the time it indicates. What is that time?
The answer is 2:15:35
